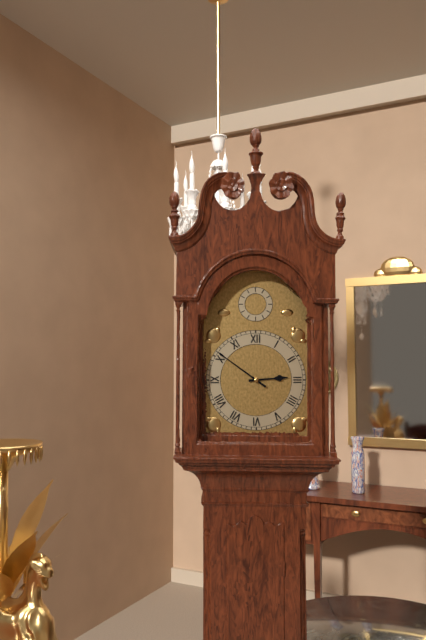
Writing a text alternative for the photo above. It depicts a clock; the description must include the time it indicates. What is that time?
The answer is 2:51
